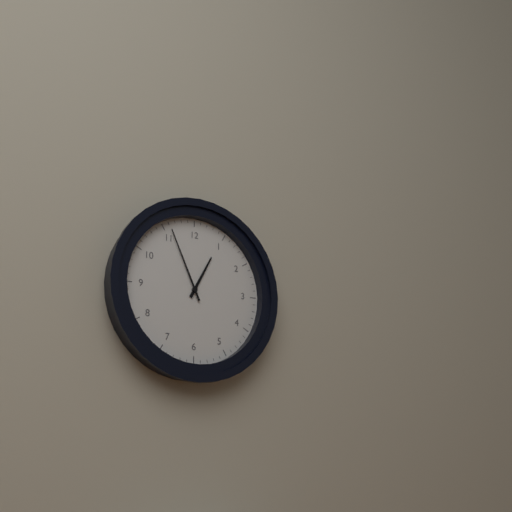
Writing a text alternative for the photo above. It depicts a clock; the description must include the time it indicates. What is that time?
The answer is 12:56
